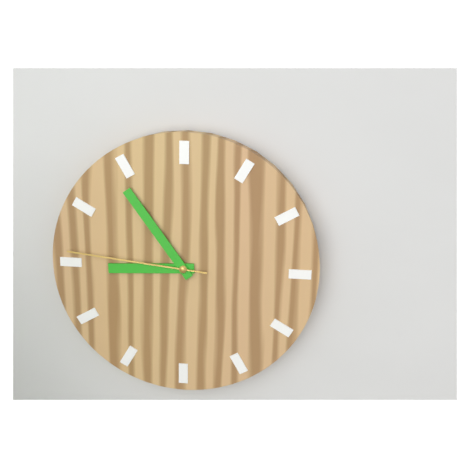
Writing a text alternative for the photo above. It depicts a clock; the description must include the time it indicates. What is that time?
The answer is 8:54:46
